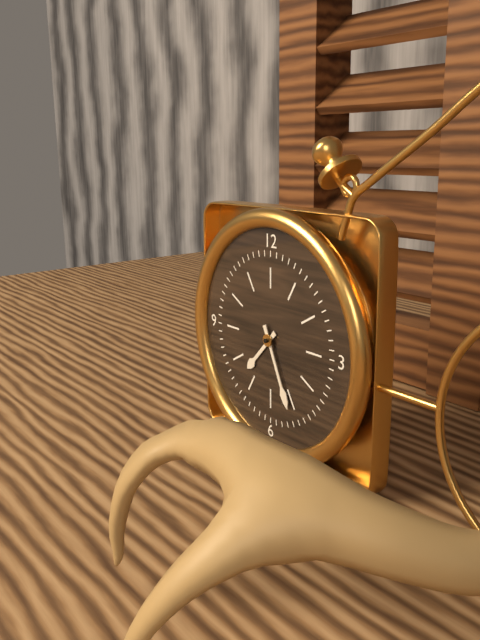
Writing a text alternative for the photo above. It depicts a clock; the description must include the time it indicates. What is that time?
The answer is 7:26
